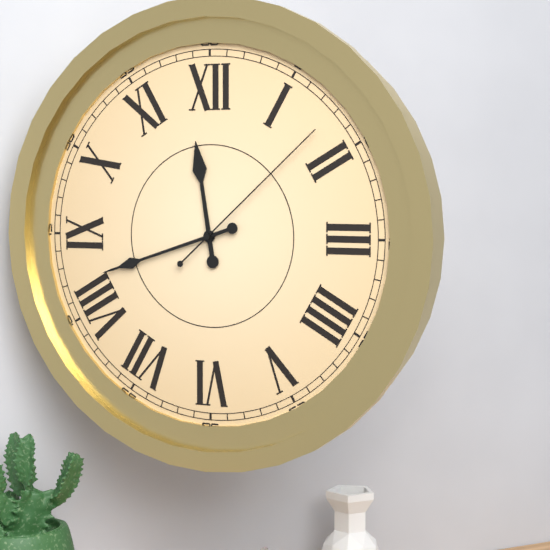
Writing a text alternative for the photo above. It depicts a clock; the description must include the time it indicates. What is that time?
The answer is 11:42:08
